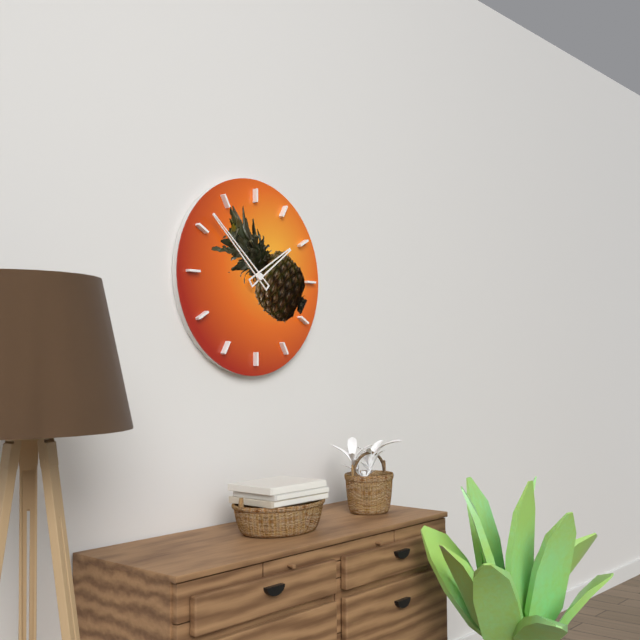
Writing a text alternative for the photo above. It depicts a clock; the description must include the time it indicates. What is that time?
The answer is 1:52
